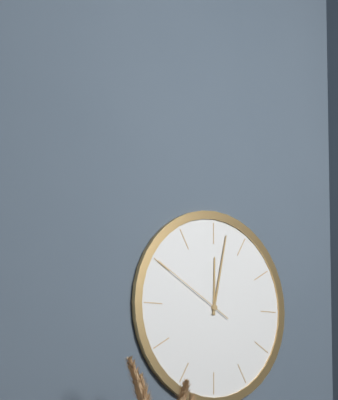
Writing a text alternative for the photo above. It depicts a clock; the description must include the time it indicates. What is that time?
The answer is 12:02:50
